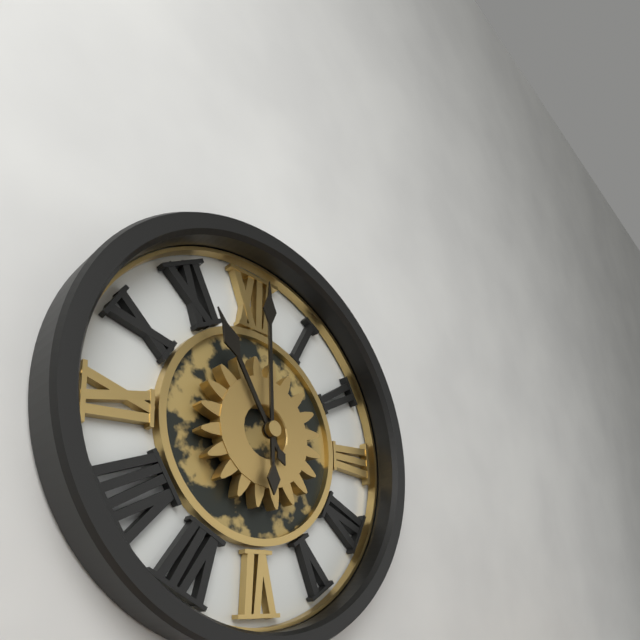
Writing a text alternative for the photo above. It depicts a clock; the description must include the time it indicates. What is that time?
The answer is 11:00
